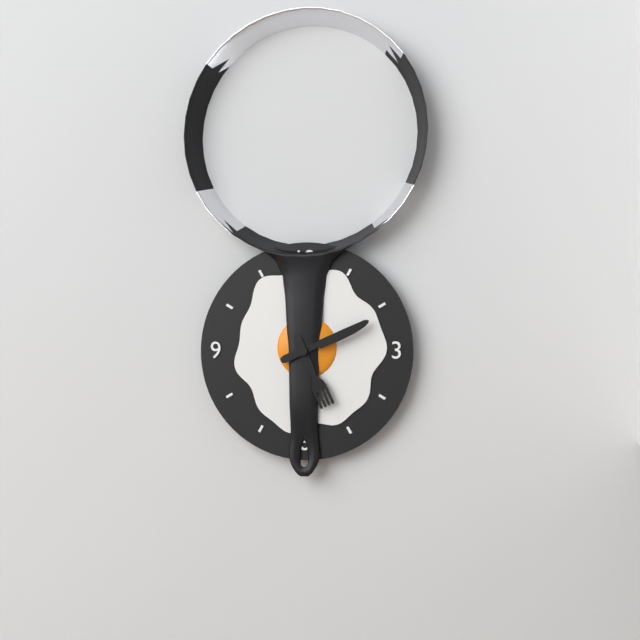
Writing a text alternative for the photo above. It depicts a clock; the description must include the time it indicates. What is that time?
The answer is 5:11
